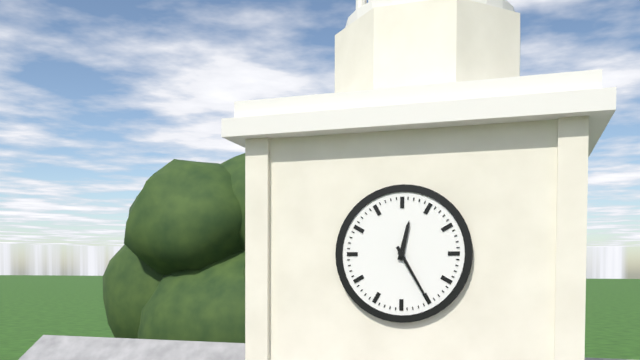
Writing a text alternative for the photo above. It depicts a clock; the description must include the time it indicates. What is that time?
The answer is 12:25
